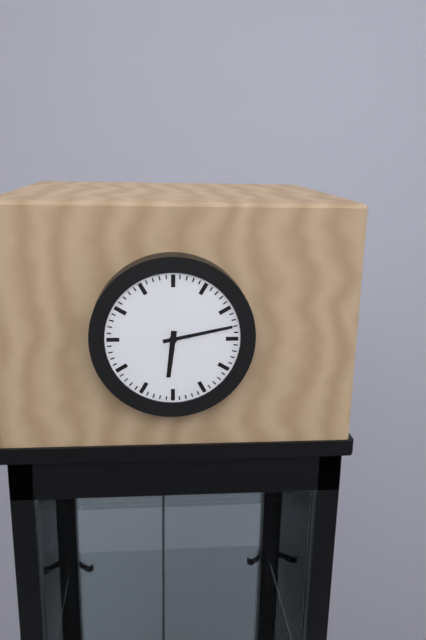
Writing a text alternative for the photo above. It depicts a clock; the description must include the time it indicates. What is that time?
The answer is 6:13
